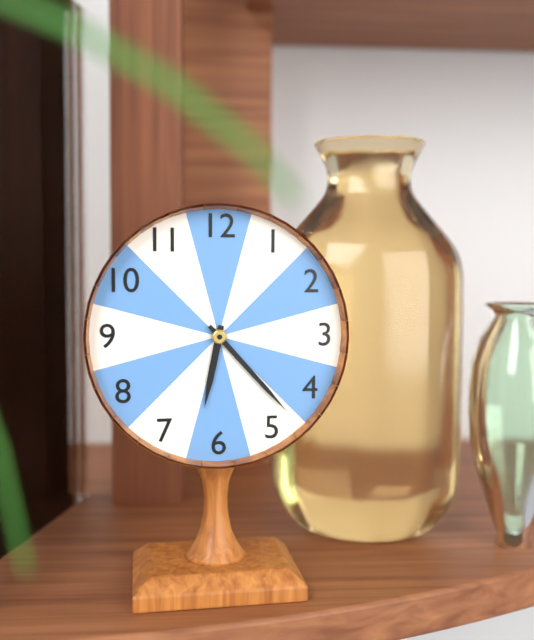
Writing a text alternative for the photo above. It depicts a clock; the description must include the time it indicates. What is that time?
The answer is 6:23
